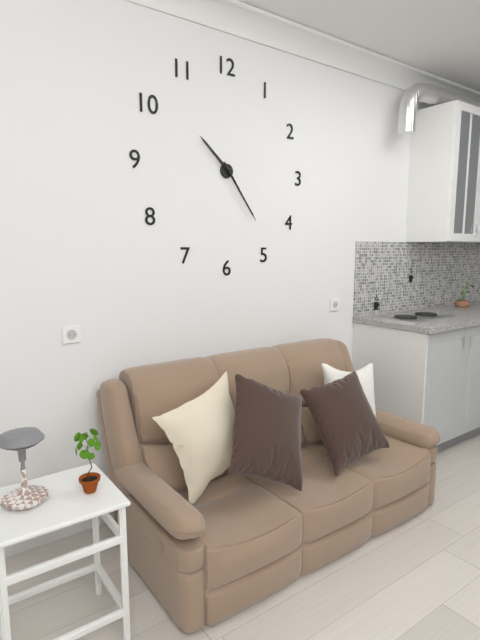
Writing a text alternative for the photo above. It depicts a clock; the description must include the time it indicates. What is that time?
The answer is 10:24
